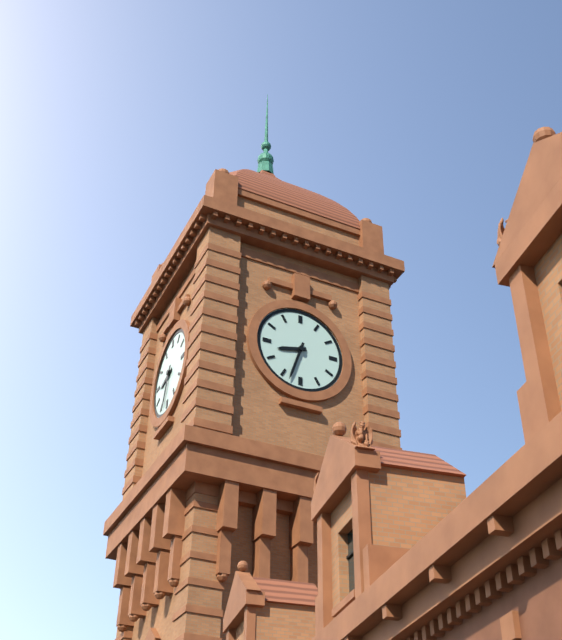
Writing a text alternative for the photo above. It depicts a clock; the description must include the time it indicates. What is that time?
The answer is 8:33
